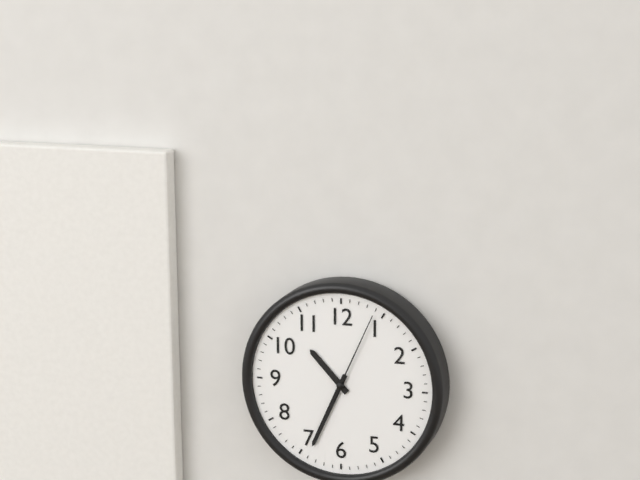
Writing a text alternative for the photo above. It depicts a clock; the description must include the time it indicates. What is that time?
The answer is 10:34:04
